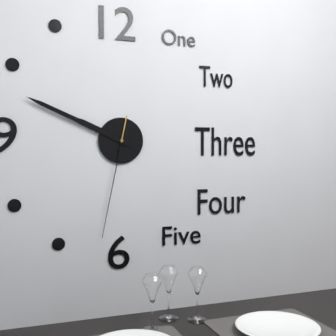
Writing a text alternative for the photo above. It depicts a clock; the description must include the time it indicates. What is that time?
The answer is 9:49:32
